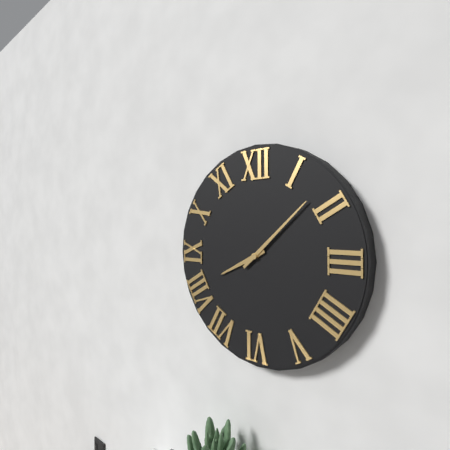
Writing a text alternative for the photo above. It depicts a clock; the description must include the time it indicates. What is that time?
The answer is 8:08
